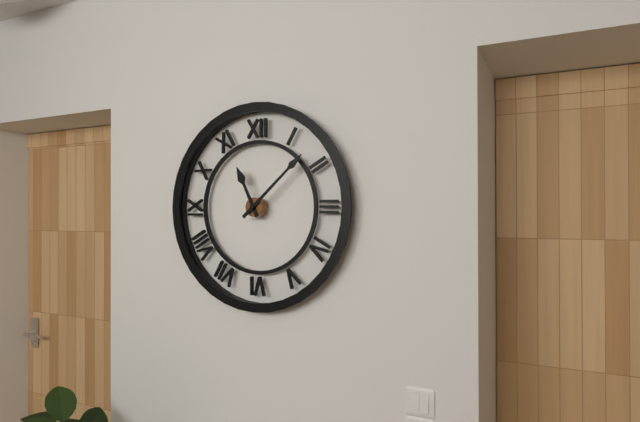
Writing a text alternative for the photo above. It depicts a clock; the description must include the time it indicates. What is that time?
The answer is 11:08
